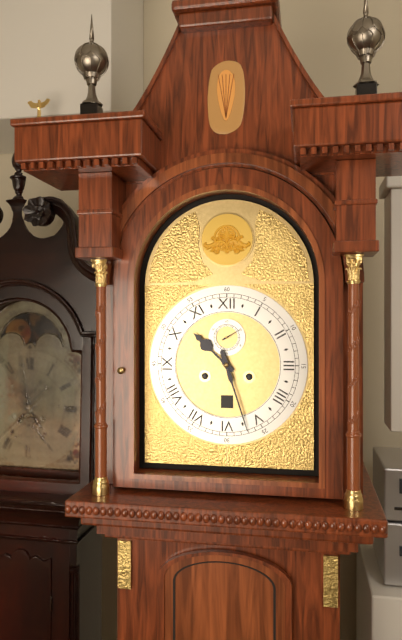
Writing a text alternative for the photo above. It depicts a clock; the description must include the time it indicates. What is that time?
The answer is 10:27
